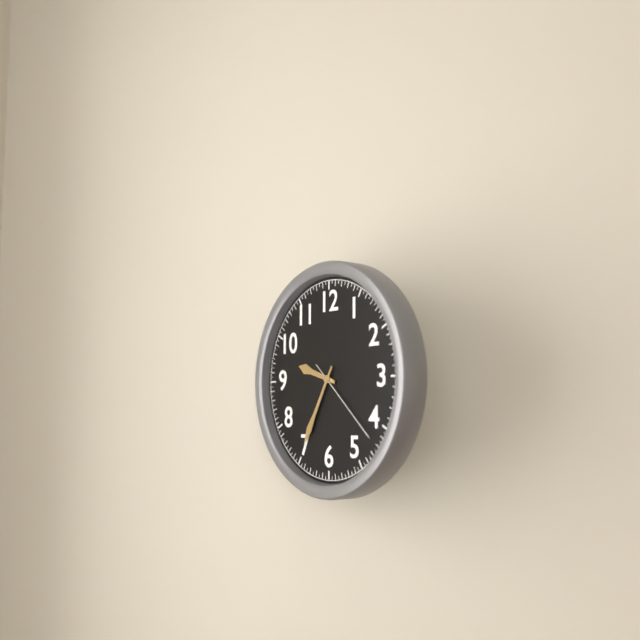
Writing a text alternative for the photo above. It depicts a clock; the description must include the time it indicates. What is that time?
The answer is 9:35:22
